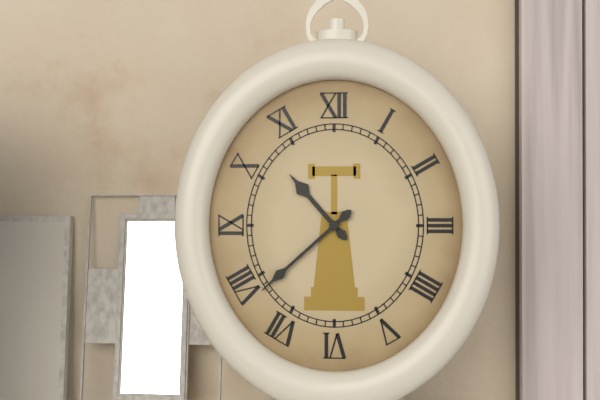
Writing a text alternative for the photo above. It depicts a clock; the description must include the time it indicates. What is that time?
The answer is 10:38
